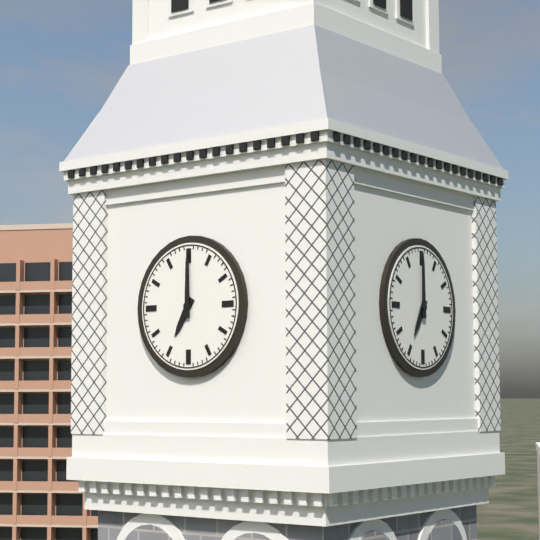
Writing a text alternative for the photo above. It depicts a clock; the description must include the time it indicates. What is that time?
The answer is 7:00
